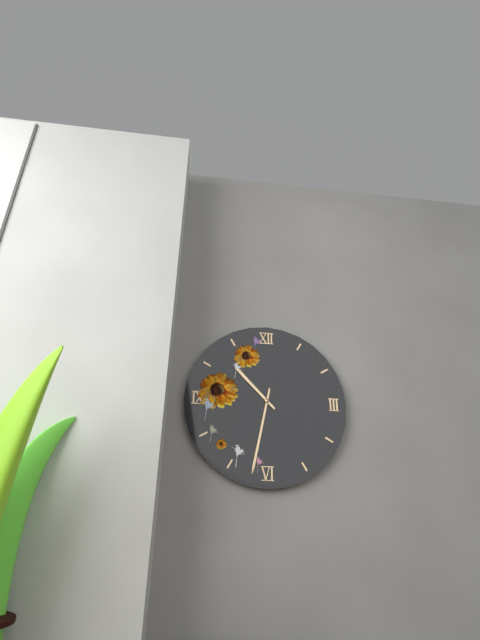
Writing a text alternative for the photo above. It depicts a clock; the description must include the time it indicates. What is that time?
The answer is 10:32
